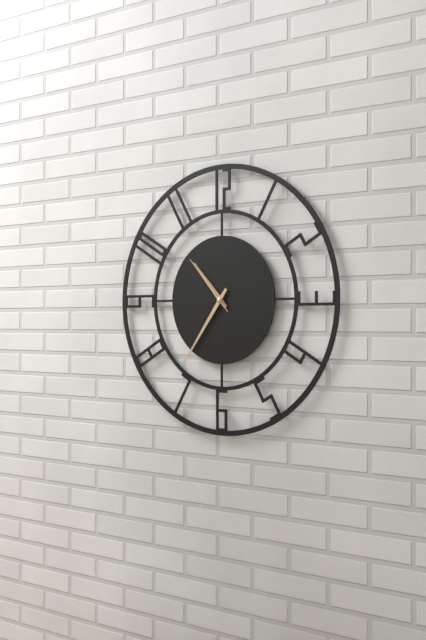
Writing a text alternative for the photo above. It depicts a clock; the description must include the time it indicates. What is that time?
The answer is 10:36:53
